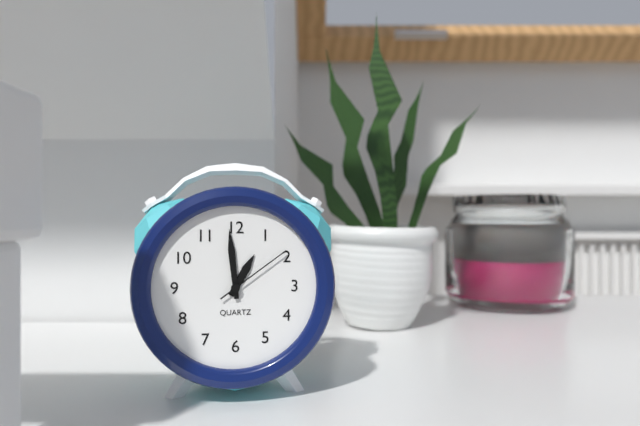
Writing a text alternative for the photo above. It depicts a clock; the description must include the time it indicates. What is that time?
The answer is 12:59:09
